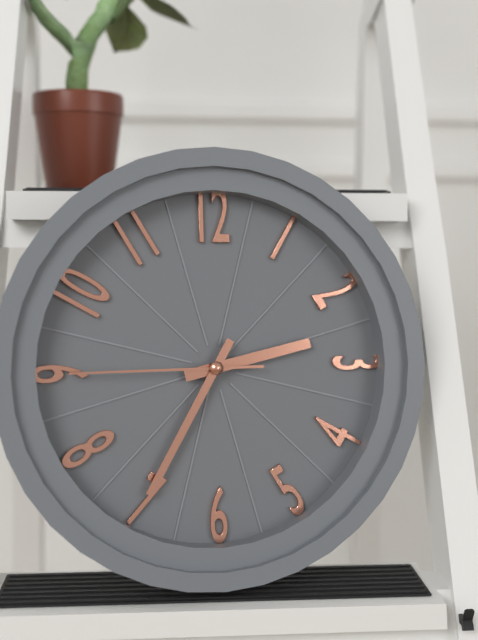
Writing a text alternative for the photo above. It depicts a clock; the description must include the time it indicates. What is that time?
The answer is 2:35:45
